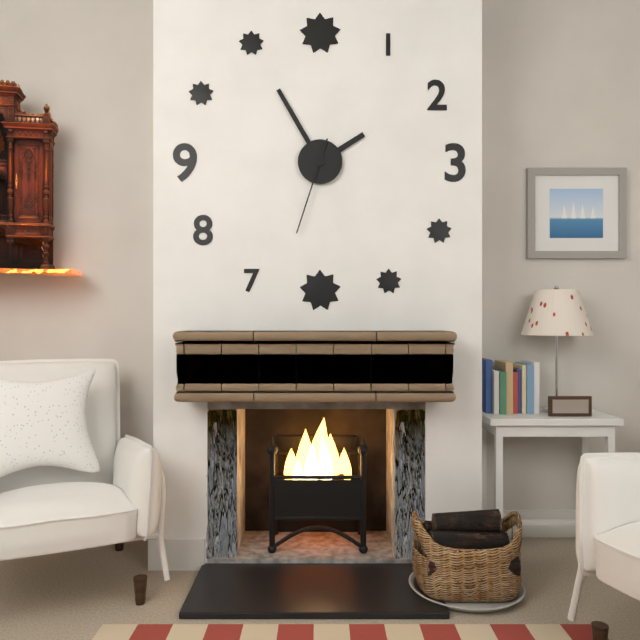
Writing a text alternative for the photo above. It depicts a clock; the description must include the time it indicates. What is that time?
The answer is 1:55:33
